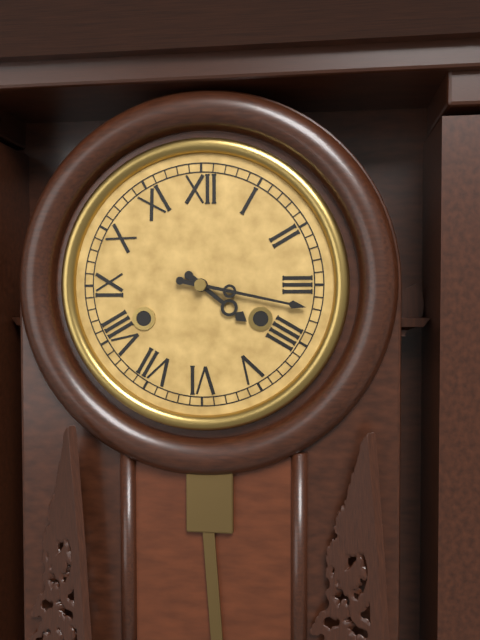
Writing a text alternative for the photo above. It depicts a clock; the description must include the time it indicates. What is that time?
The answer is 4:17
